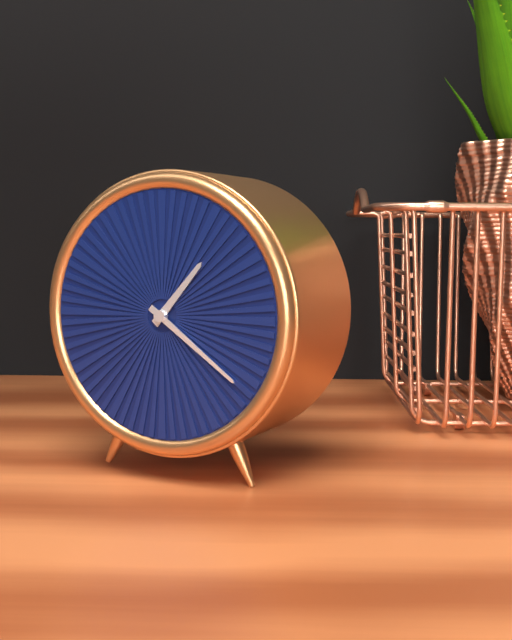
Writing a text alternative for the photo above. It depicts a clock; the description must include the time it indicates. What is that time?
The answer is 1:21
